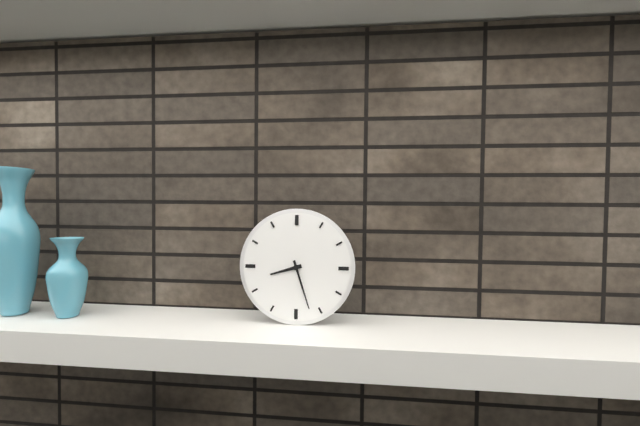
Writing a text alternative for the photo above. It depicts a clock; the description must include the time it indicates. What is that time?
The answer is 8:27
